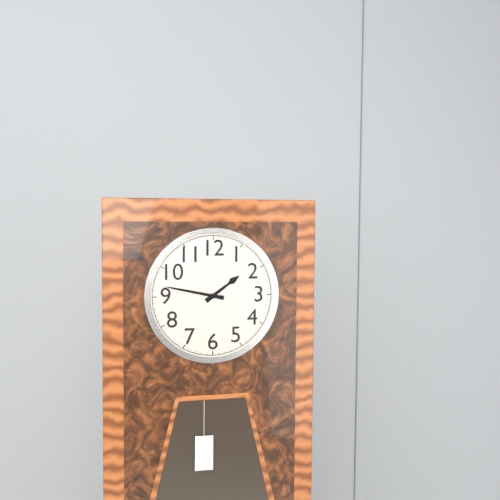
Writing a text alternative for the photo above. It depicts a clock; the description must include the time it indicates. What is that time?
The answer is 1:47
